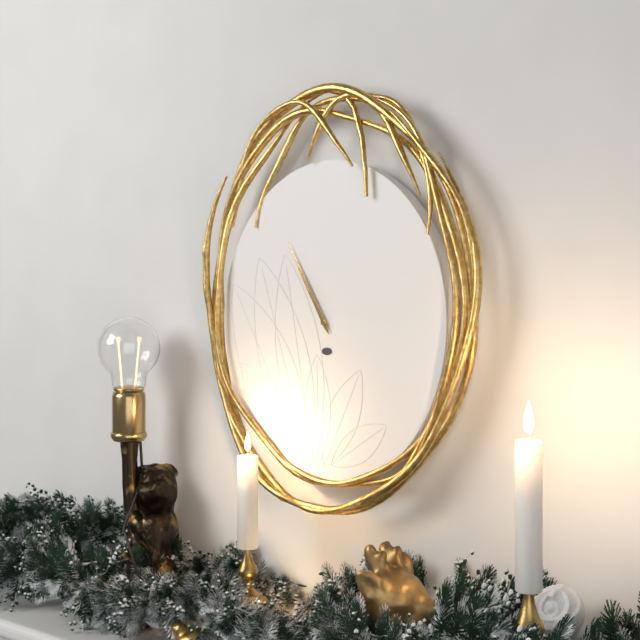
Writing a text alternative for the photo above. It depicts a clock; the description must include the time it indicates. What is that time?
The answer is 10:55
